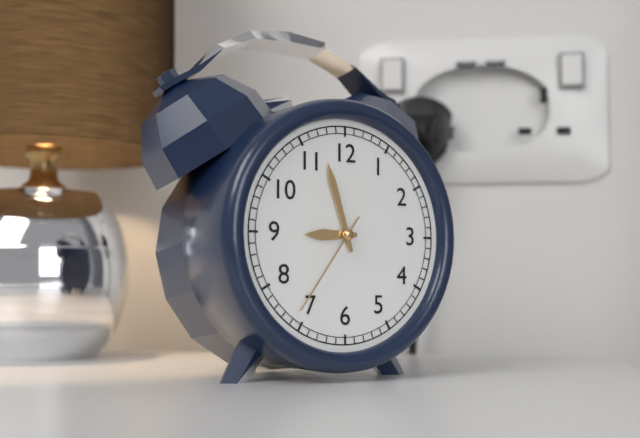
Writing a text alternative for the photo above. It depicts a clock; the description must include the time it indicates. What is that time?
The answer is 8:57:36
